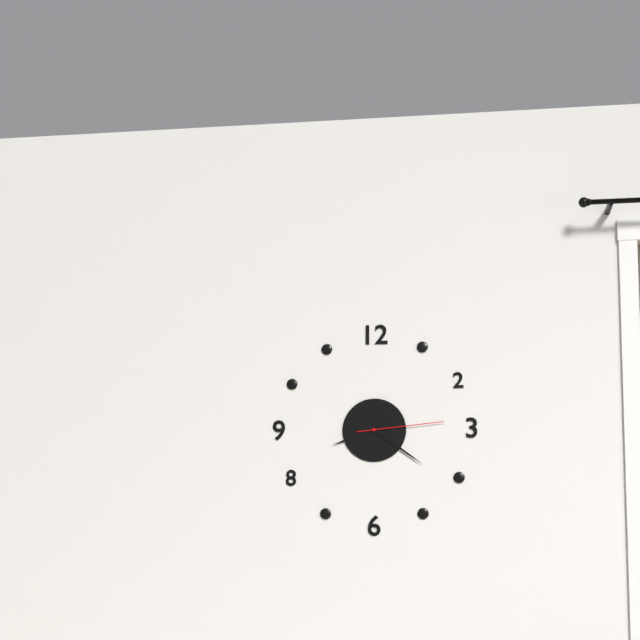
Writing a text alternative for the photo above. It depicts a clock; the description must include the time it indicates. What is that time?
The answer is 8:21:14
